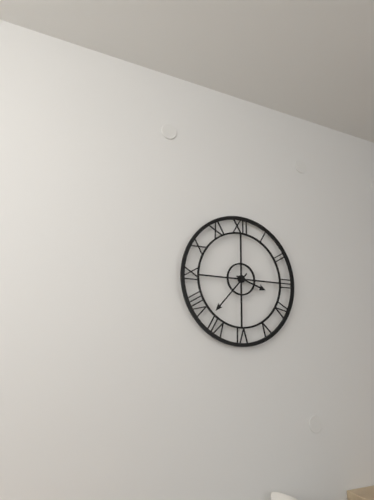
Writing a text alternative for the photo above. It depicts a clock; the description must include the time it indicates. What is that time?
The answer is 3:37
